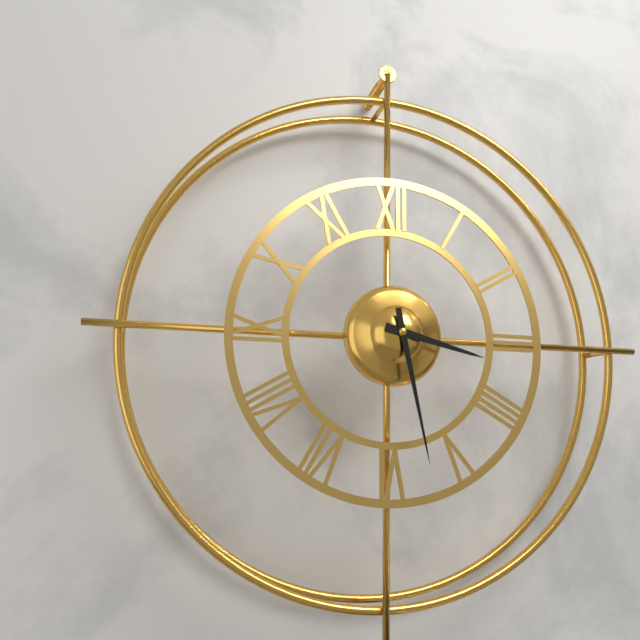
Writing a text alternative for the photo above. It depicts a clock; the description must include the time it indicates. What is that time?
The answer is 3:28
